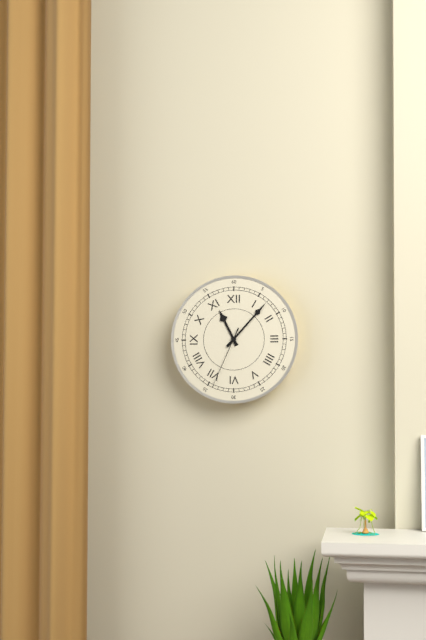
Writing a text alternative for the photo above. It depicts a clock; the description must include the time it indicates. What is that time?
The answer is 11:07:34
